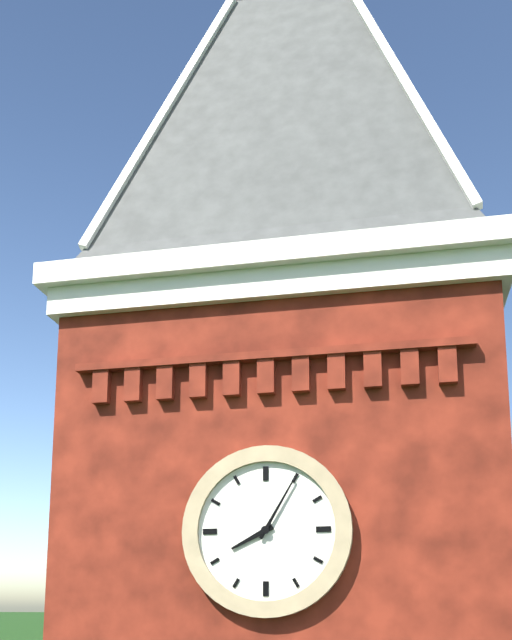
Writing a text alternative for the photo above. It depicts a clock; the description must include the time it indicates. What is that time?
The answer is 8:05
